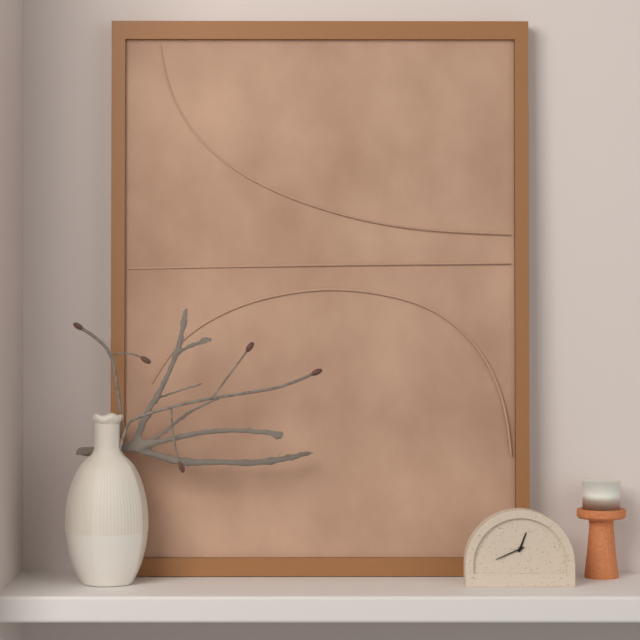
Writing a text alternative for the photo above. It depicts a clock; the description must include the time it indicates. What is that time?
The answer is 12:41
